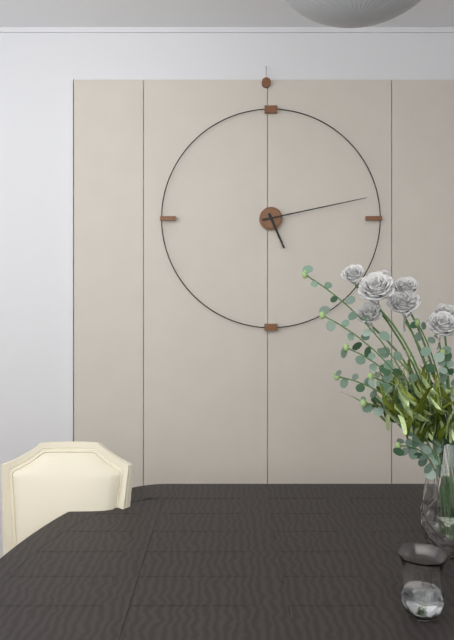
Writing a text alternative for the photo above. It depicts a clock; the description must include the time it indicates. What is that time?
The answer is 5:13
